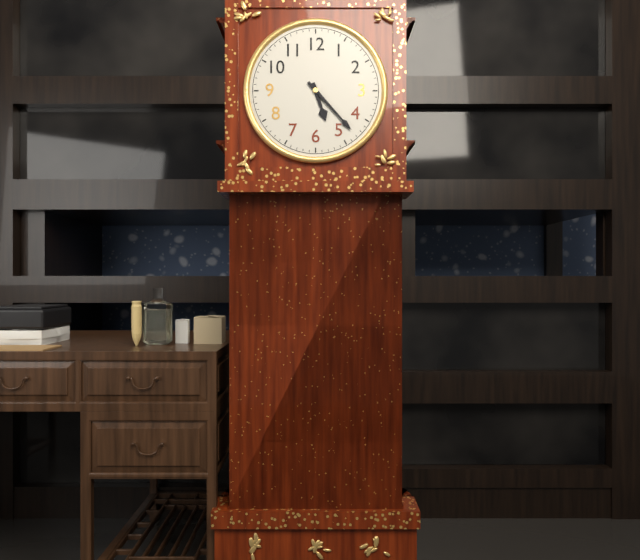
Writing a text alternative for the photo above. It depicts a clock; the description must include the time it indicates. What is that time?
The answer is 5:23
